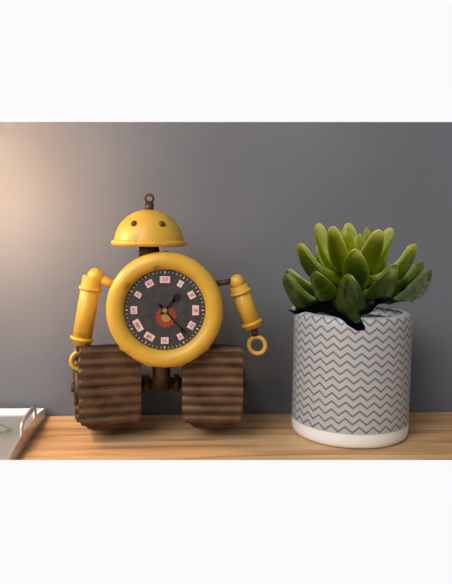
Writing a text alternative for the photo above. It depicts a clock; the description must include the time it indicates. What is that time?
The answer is 1:23
